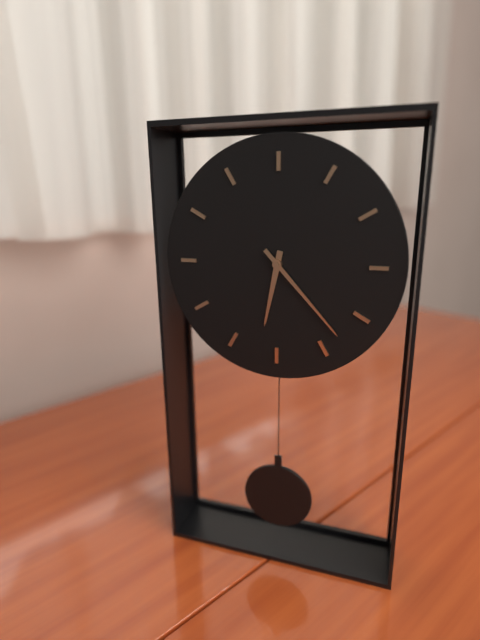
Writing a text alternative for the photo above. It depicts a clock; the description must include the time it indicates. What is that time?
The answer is 6:23
